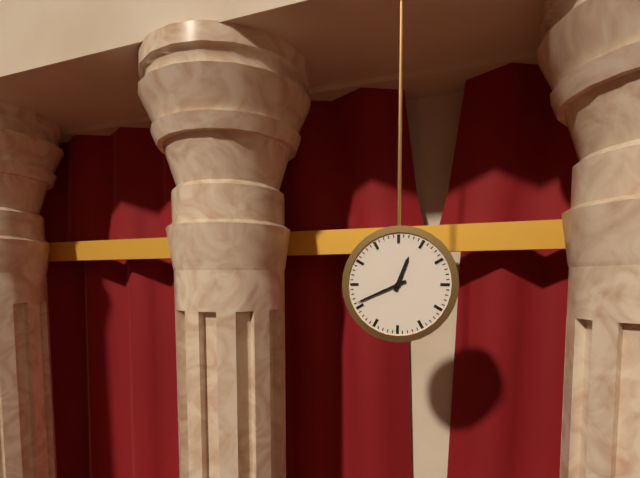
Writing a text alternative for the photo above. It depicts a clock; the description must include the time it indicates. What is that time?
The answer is 12:41
